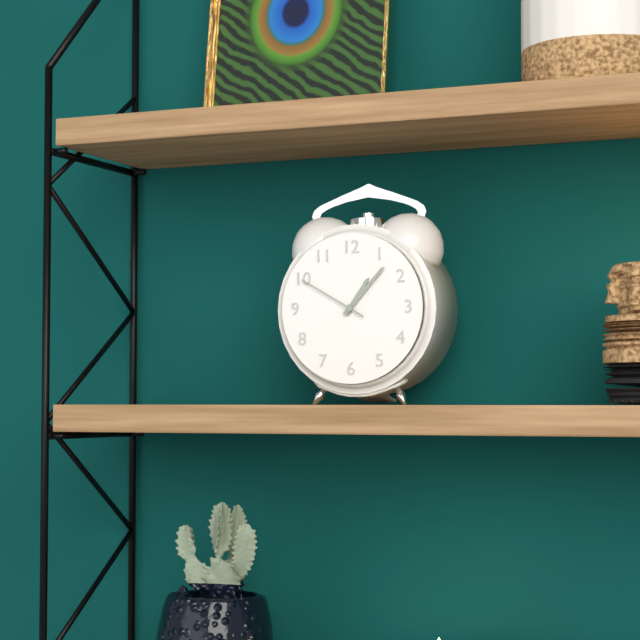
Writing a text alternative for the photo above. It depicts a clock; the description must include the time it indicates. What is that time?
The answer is 1:07:50
